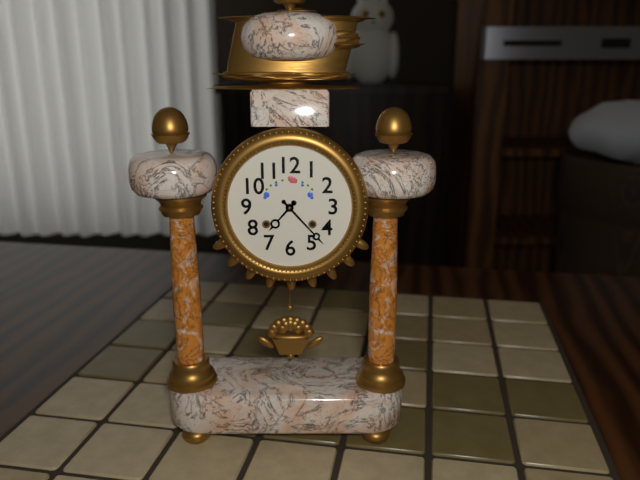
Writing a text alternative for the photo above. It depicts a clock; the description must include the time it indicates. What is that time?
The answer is 7:23
